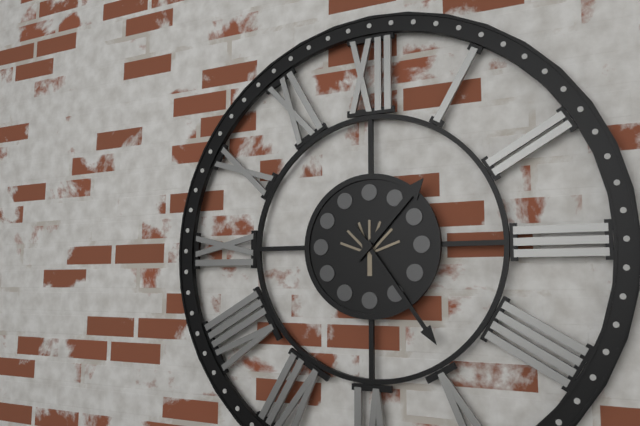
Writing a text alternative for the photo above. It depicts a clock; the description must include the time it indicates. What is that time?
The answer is 1:24
